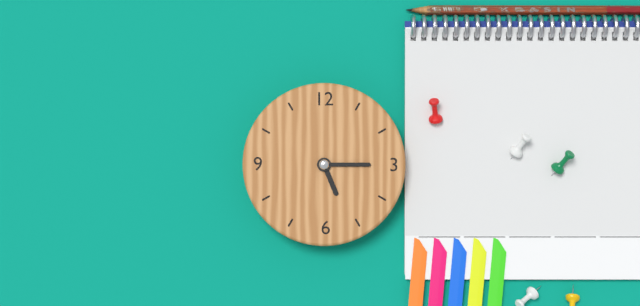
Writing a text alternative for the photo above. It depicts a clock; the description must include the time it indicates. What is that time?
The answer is 5:15
